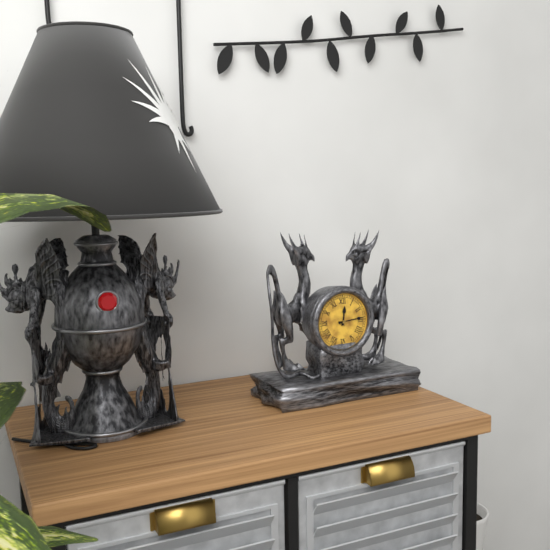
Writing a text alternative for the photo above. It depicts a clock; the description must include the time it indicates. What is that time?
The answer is 12:14
